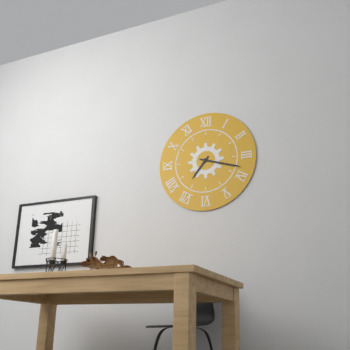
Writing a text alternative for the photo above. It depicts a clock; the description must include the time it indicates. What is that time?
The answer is 7:18
